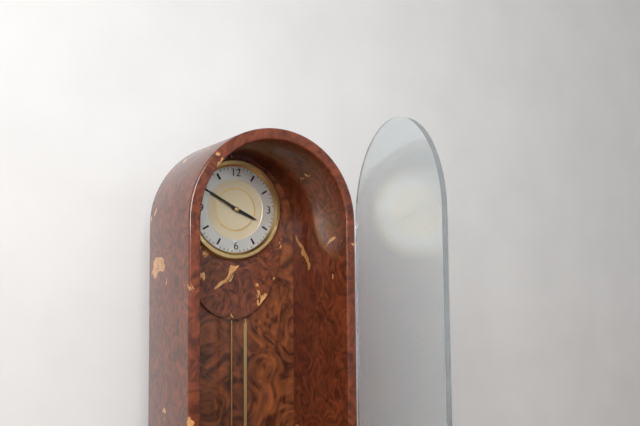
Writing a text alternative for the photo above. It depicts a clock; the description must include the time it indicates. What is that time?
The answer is 3:50
